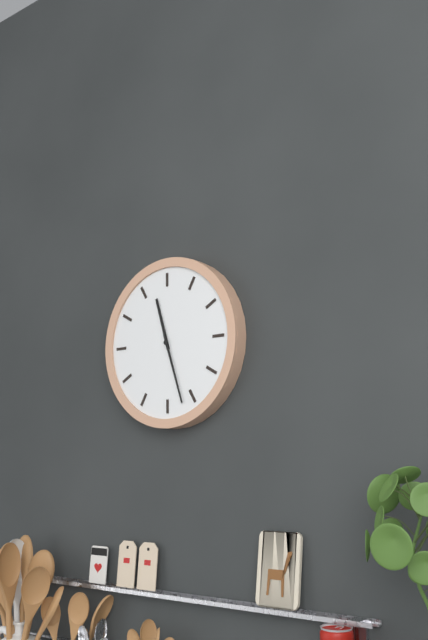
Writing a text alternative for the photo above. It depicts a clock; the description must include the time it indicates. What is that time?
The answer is 11:27
